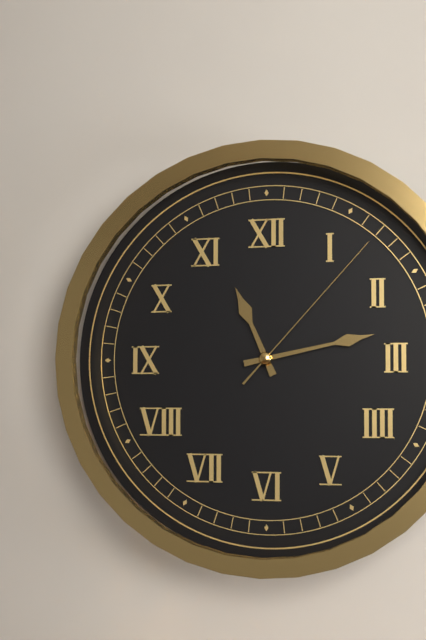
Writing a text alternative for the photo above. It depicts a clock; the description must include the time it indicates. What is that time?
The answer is 11:13:07
